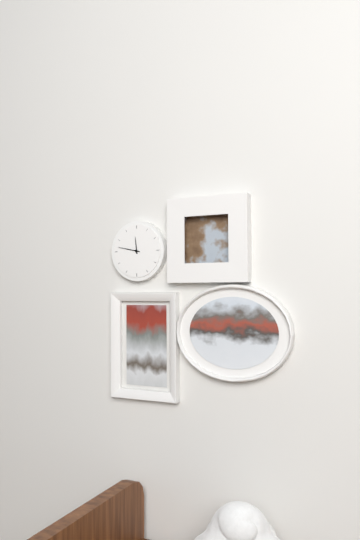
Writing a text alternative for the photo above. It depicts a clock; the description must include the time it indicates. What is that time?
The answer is 11:47
